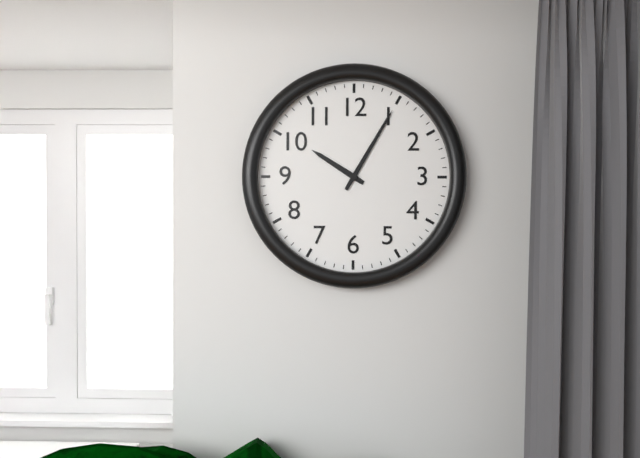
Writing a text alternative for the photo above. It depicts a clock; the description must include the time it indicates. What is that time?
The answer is 10:05
